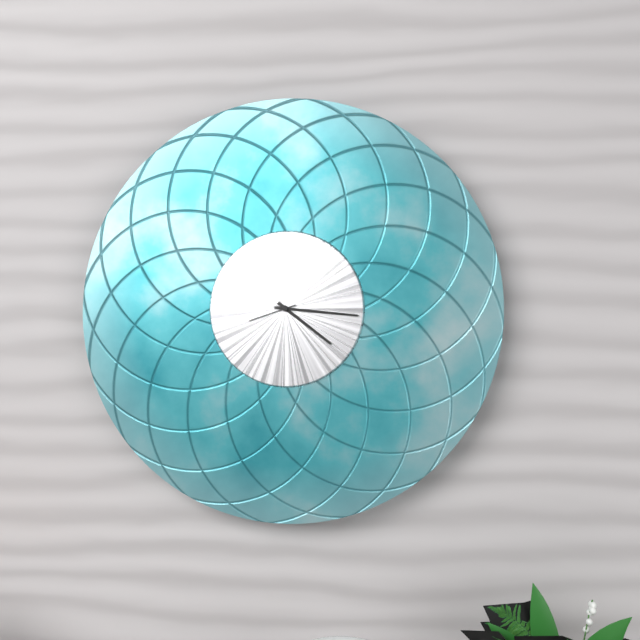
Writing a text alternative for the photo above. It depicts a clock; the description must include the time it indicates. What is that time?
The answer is 4:16
